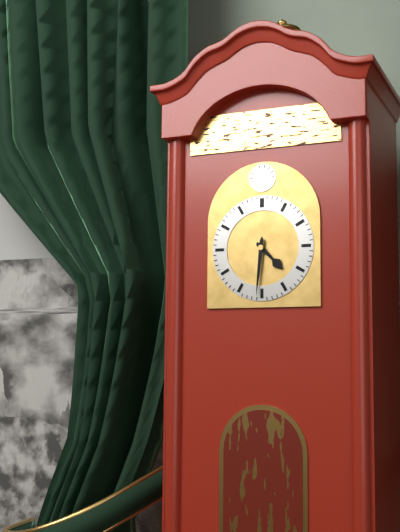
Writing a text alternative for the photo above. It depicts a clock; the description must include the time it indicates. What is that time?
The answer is 4:31
